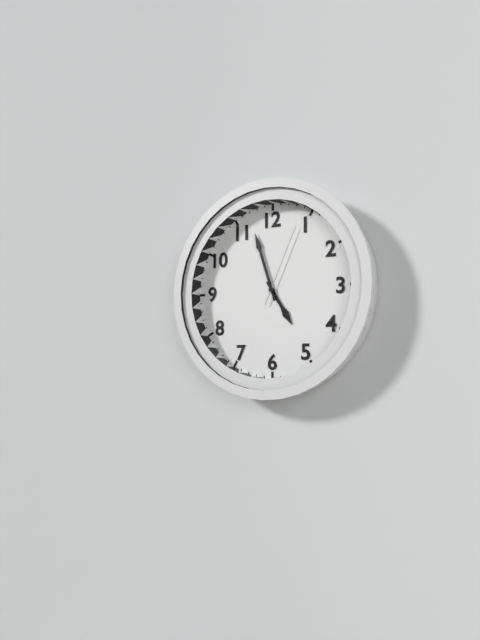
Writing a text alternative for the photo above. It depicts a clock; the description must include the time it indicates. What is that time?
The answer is 4:57:04
